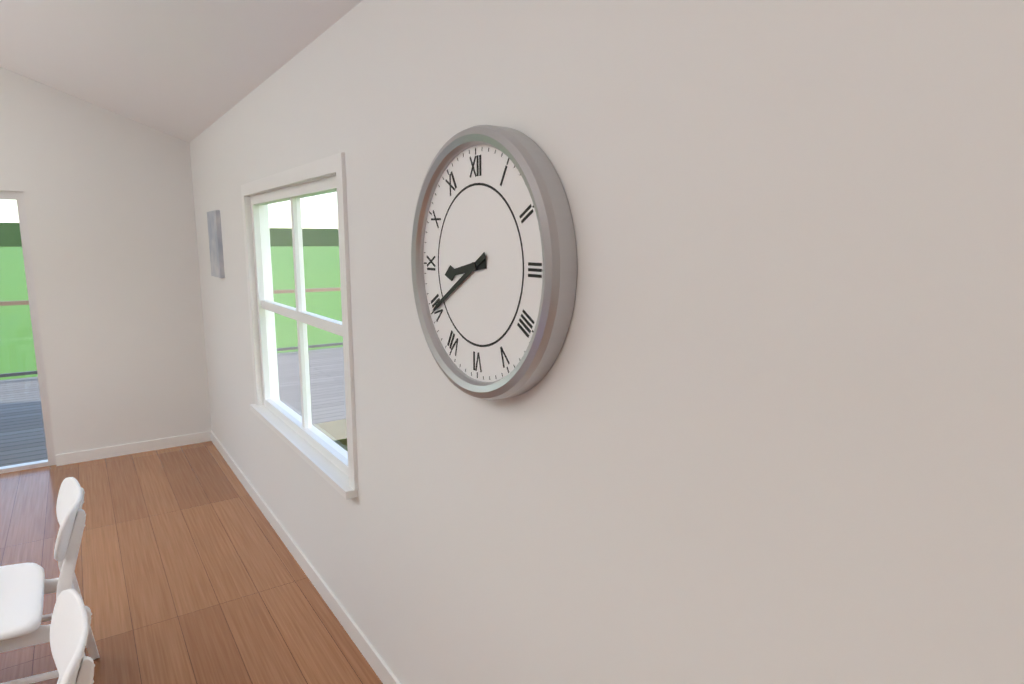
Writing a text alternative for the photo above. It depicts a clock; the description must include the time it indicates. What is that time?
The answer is 8:40
